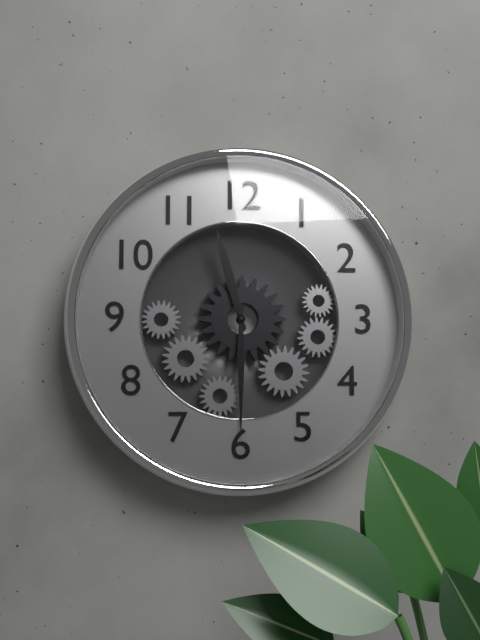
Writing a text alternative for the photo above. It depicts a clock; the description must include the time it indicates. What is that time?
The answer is 11:30
